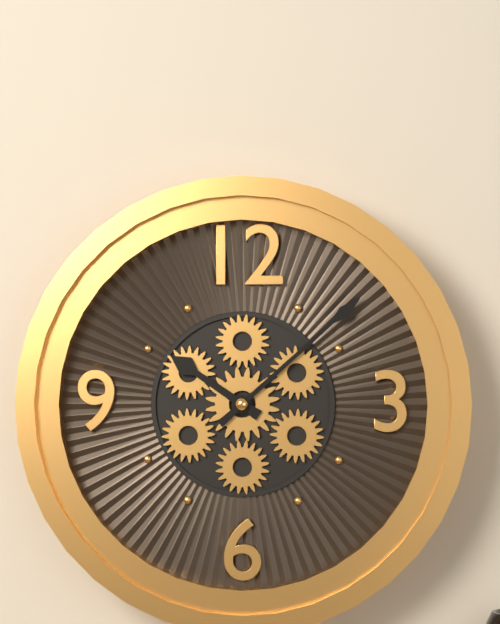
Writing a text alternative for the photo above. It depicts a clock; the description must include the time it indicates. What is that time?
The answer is 10:08
